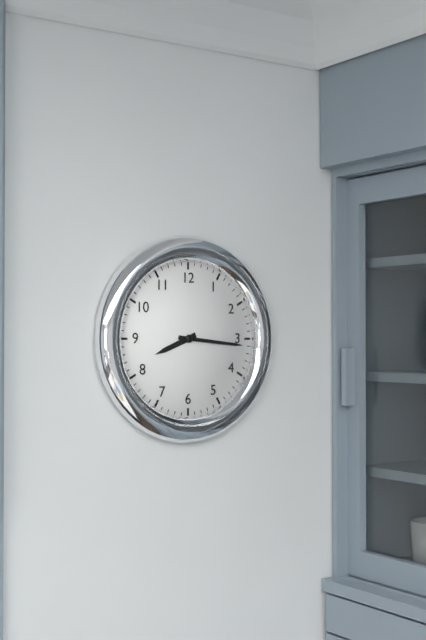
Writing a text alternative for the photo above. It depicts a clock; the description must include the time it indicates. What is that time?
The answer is 8:16
